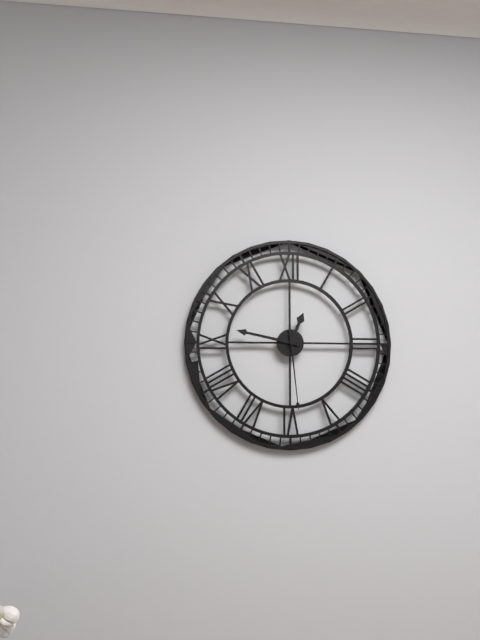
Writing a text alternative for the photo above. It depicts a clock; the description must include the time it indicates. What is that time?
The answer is 12:47:29
